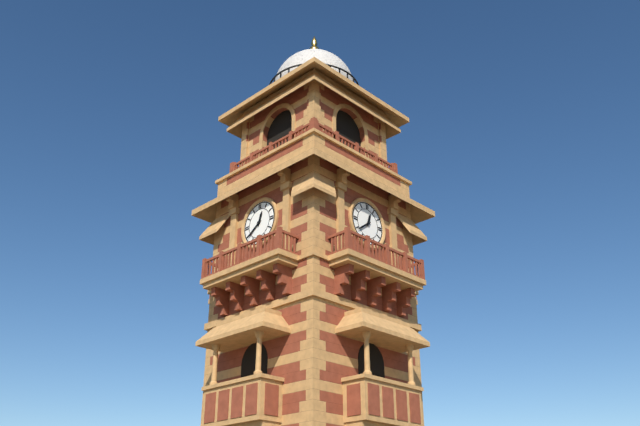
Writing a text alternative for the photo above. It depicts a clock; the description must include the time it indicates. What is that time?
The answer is 12:39
